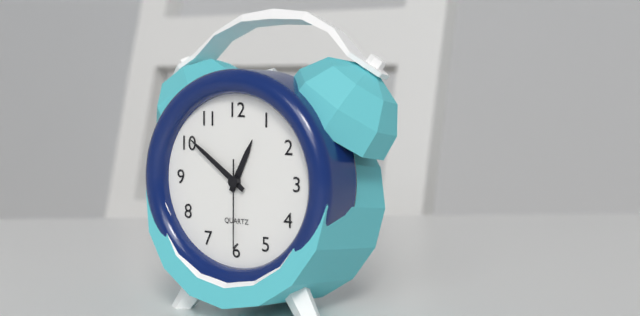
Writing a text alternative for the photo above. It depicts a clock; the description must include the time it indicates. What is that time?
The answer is 12:51:30
